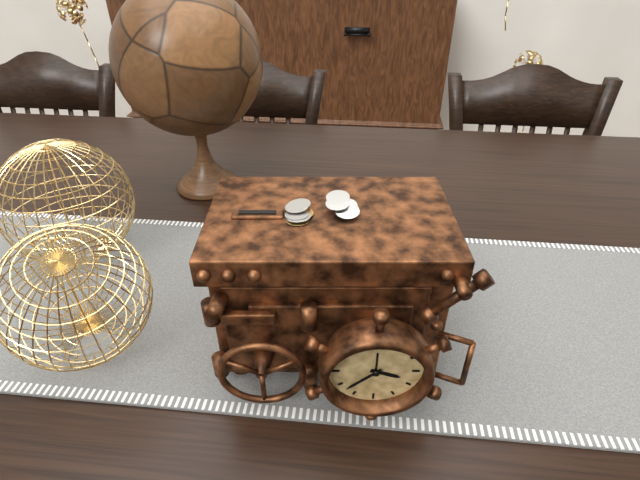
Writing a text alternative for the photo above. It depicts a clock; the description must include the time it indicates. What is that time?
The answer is 3:38
